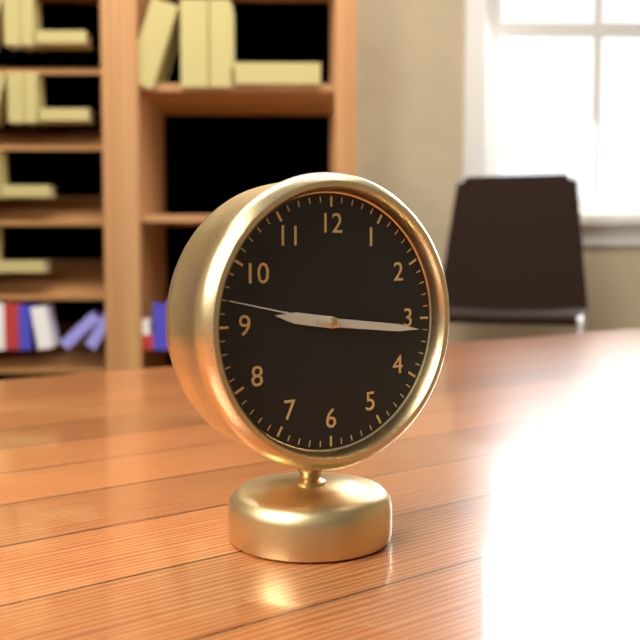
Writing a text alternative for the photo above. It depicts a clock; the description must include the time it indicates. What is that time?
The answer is 9:16:47
